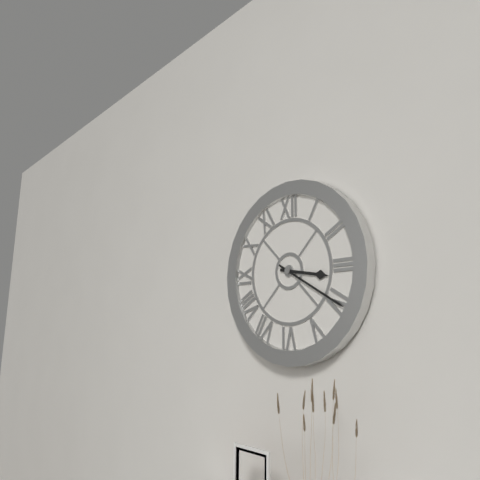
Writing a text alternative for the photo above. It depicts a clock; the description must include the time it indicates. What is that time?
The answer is 3:20
